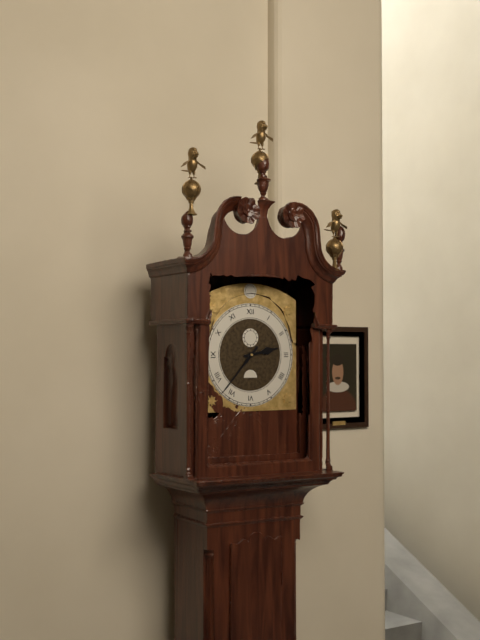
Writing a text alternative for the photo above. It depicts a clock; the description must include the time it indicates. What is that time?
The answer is 2:37
